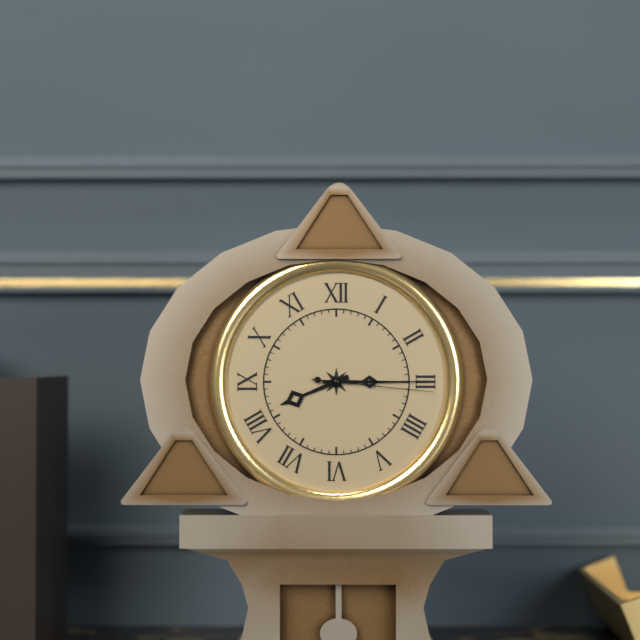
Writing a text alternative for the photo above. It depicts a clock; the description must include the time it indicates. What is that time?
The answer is 8:15:16
